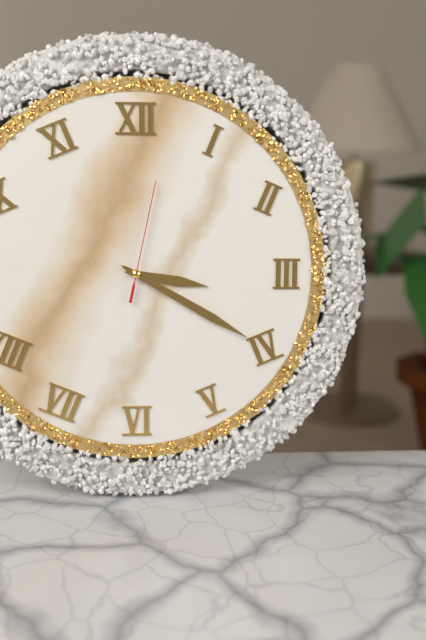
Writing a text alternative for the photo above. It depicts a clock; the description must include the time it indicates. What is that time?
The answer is 3:20:02
